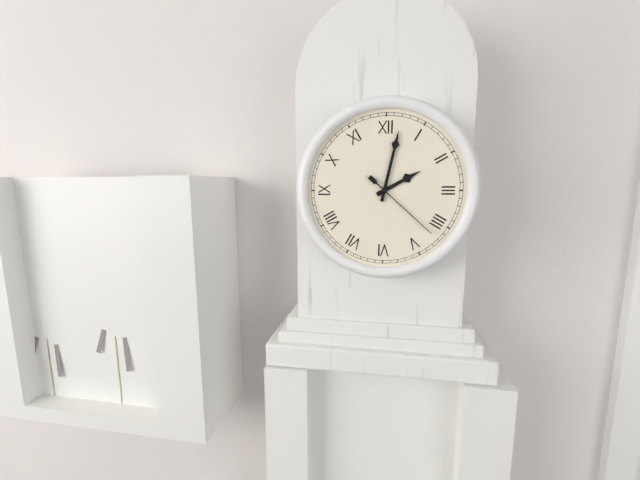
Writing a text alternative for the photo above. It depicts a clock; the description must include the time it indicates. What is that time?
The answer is 2:02:22
